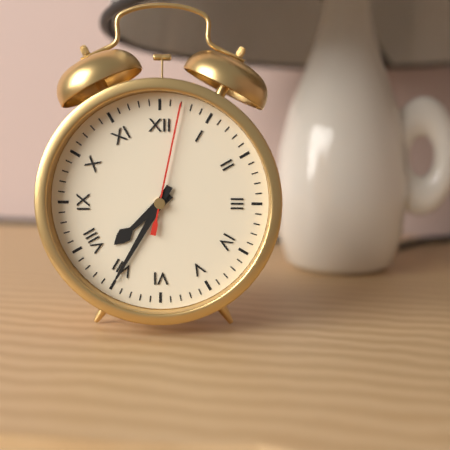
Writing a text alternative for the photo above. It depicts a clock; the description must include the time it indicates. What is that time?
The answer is 7:35:02
